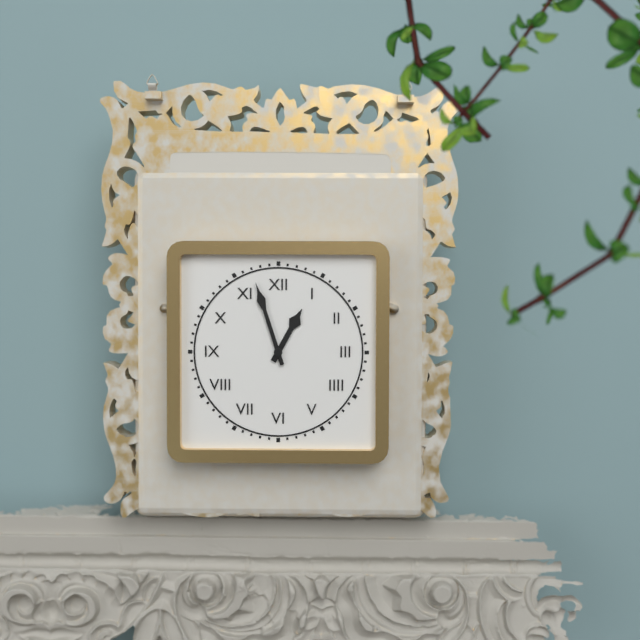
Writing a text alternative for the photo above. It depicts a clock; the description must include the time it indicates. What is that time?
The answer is 12:57
